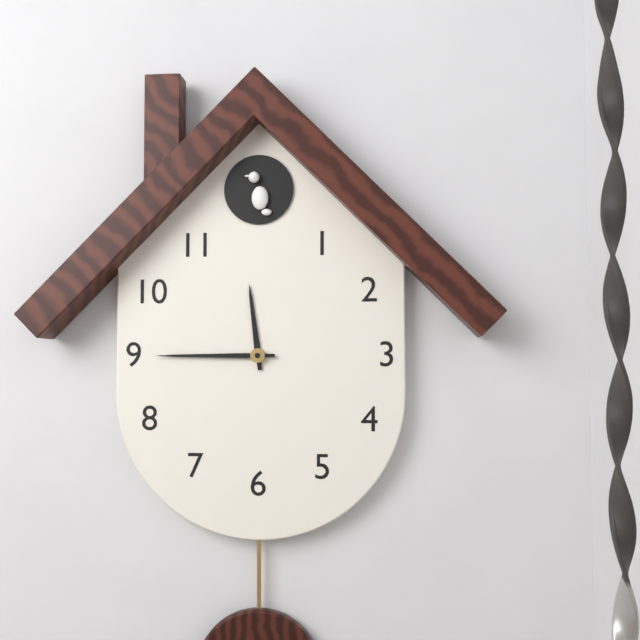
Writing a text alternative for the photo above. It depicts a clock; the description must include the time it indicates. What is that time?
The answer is 11:45
